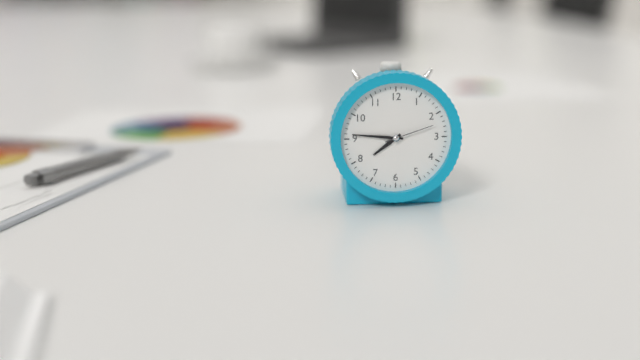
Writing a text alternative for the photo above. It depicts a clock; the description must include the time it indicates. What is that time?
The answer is 7:46
